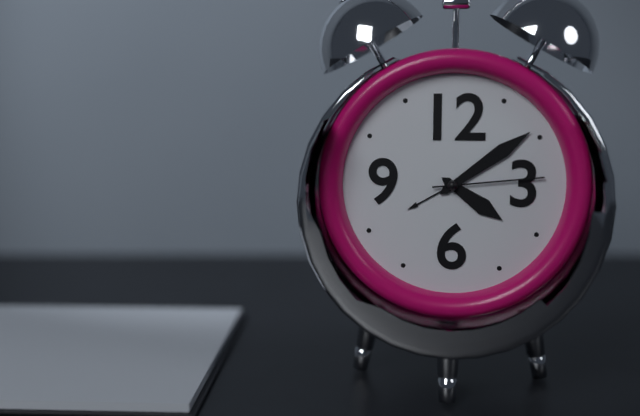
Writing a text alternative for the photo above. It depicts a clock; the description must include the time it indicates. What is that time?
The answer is 4:09:14
